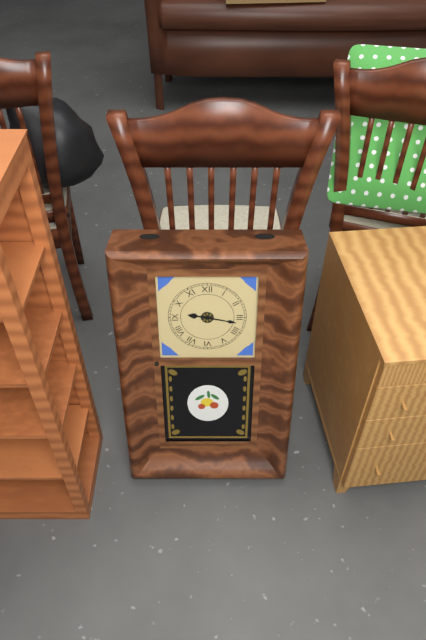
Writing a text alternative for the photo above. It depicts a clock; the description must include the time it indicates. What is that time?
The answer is 9:17
